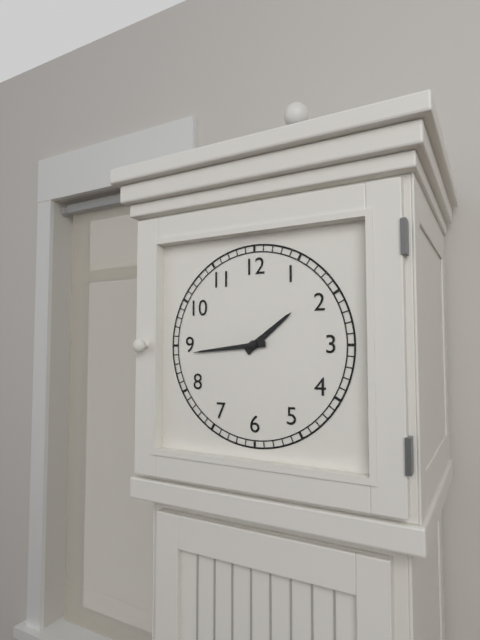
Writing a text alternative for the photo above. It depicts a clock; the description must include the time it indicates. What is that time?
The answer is 1:44
